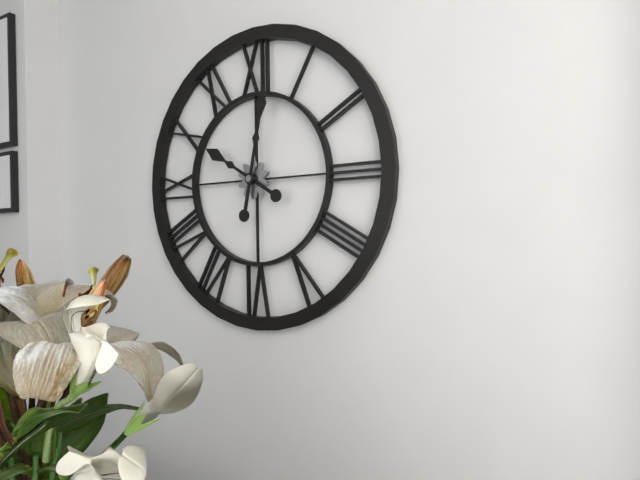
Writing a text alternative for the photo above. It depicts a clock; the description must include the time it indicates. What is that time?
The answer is 10:02
